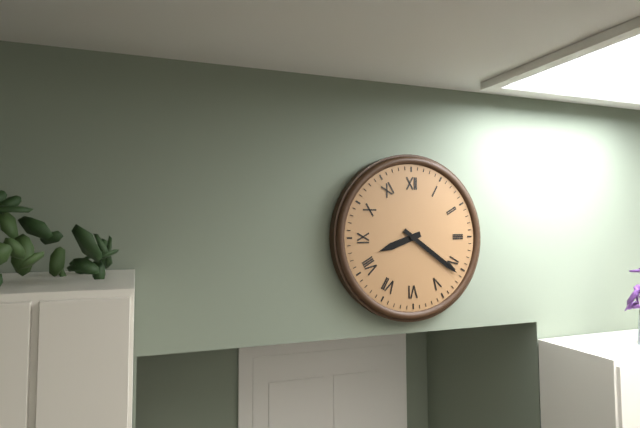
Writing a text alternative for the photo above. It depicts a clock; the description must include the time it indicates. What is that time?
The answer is 8:21
